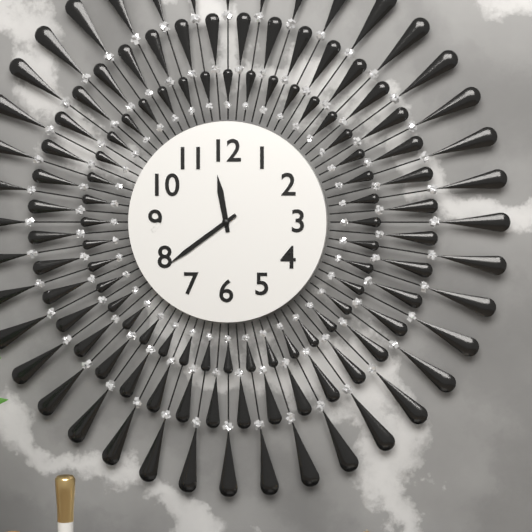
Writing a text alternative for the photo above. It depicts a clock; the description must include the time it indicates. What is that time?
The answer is 11:39
